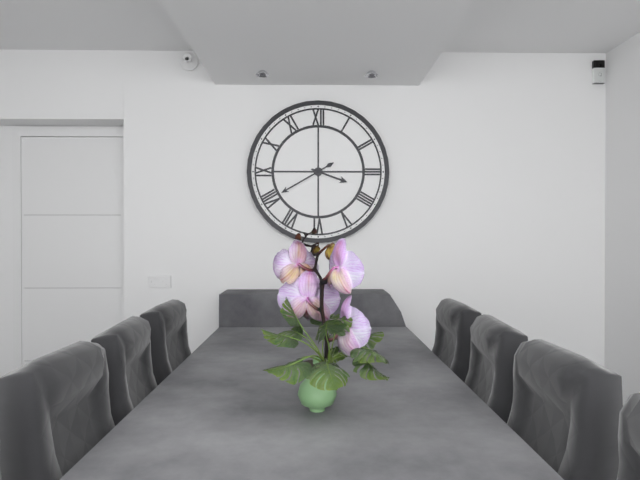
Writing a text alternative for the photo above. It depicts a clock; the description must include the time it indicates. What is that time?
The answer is 3:40
